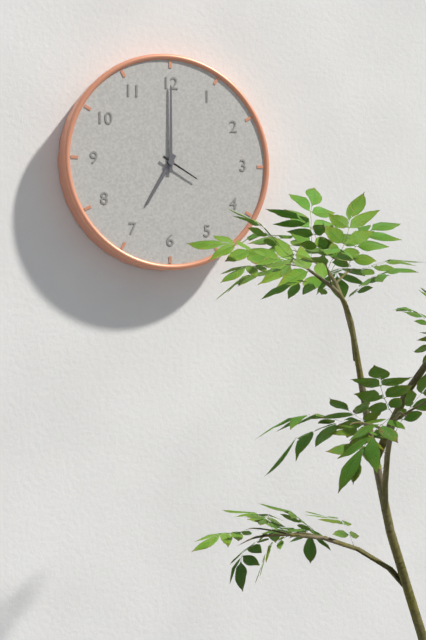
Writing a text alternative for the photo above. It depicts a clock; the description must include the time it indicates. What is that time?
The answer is 7:00
